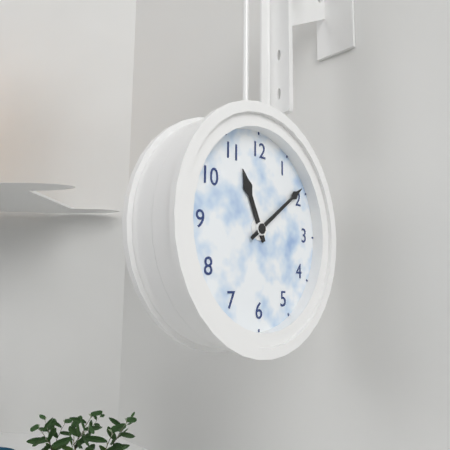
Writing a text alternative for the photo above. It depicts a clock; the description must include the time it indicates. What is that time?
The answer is 11:09
